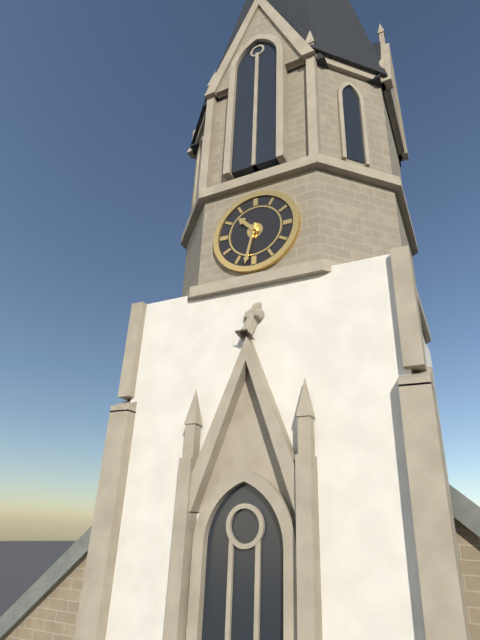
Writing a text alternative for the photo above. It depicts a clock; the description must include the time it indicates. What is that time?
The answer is 10:32
